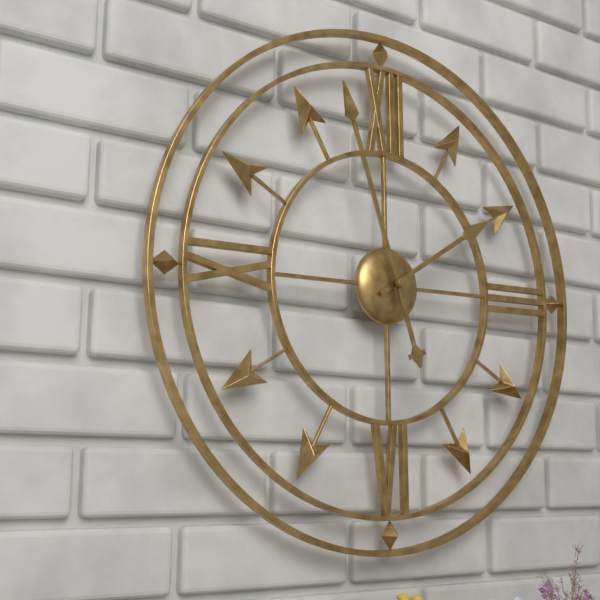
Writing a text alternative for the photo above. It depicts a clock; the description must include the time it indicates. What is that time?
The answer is 1:57
